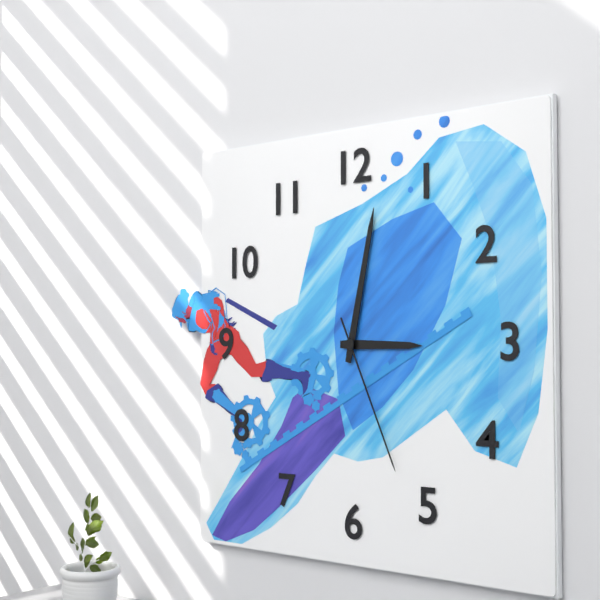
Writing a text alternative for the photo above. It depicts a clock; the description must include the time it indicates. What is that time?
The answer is 3:02:26
